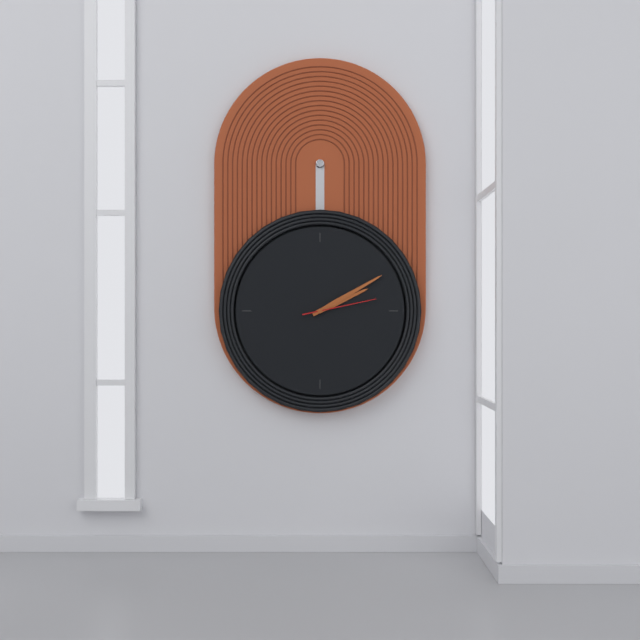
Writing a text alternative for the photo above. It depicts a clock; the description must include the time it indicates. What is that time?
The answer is 2:10:13
